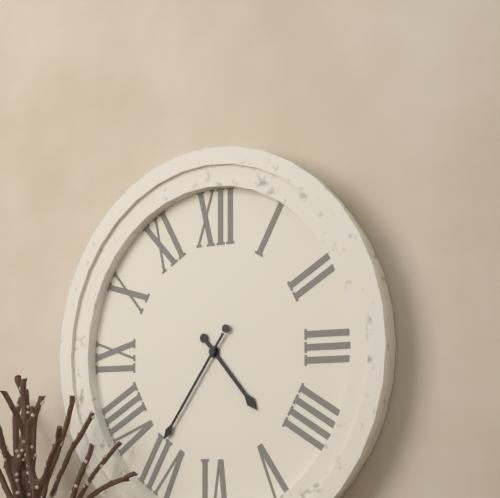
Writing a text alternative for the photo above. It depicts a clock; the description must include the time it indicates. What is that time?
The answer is 4:36
